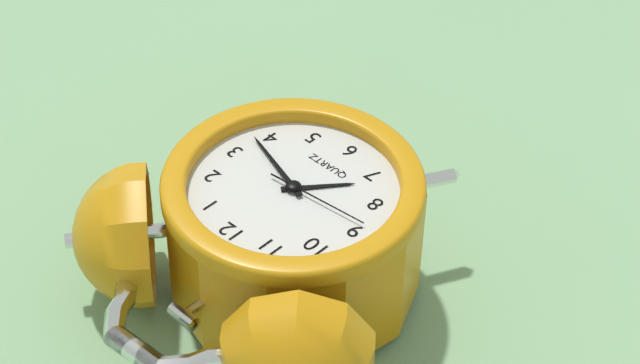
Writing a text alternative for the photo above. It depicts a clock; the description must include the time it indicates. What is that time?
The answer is 7:18:44
